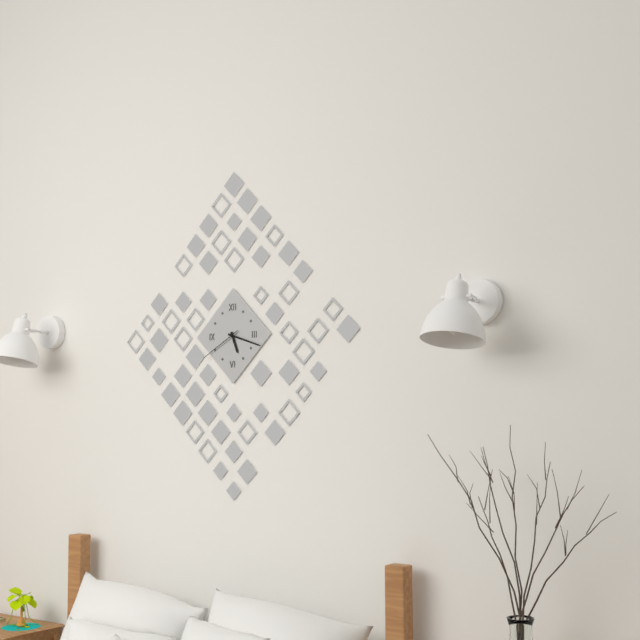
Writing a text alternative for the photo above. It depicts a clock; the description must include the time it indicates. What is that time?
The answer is 5:18
